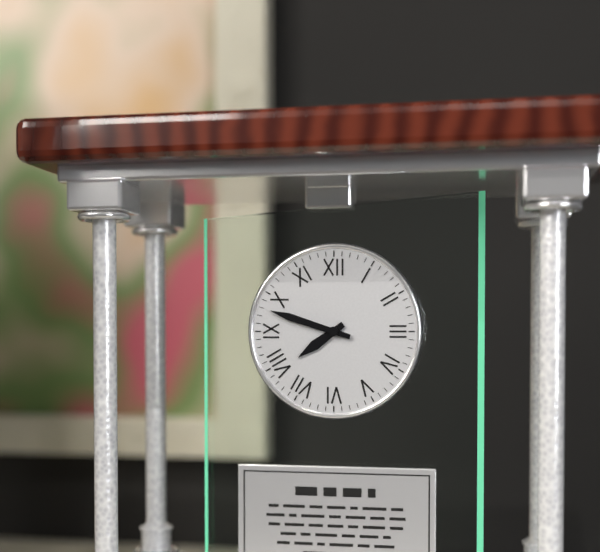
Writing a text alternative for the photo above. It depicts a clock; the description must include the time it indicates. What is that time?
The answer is 7:48
